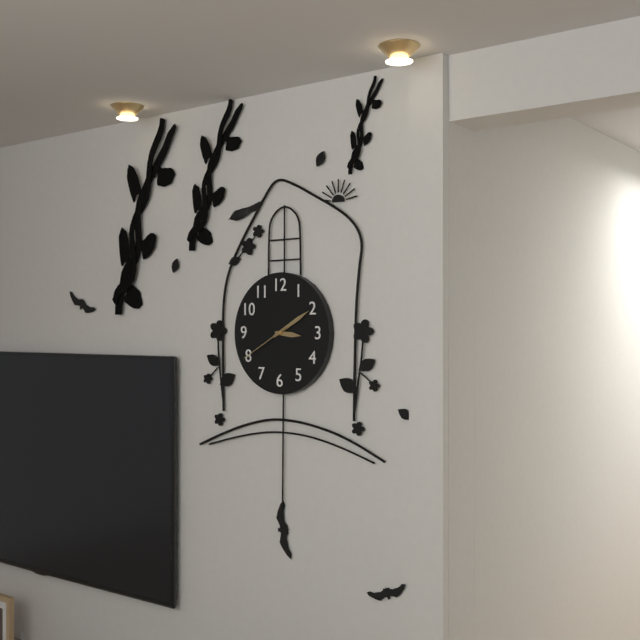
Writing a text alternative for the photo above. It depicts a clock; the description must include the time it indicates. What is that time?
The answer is 3:10:40
